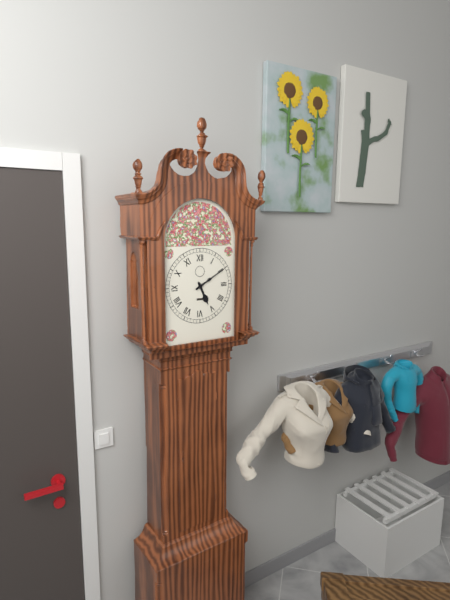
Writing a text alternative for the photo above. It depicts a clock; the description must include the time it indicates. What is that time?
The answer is 5:10
